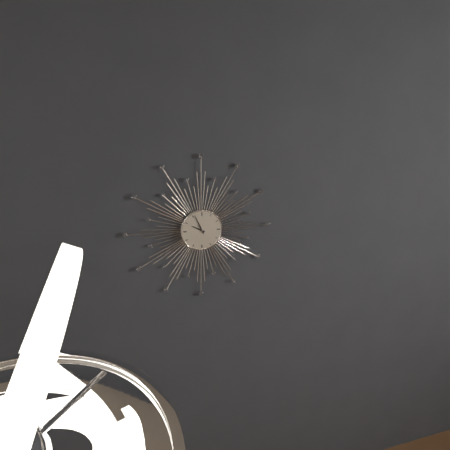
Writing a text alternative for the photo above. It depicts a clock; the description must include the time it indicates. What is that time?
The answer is 9:56
